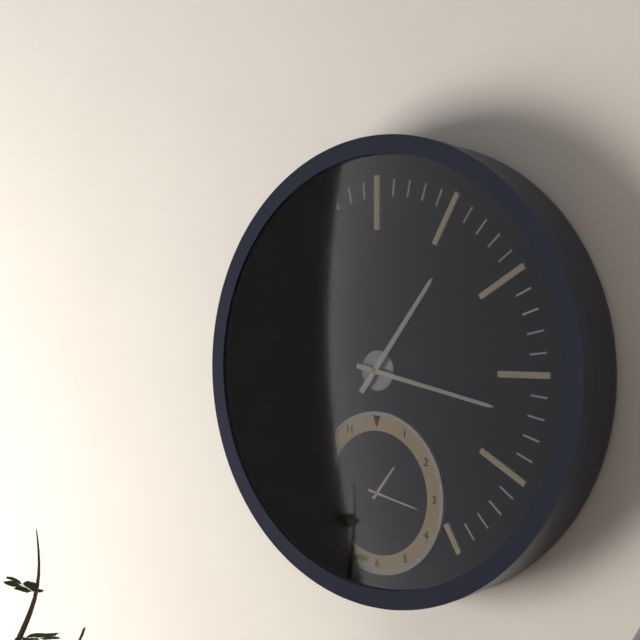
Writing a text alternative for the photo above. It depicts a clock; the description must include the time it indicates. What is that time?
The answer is 1:17
